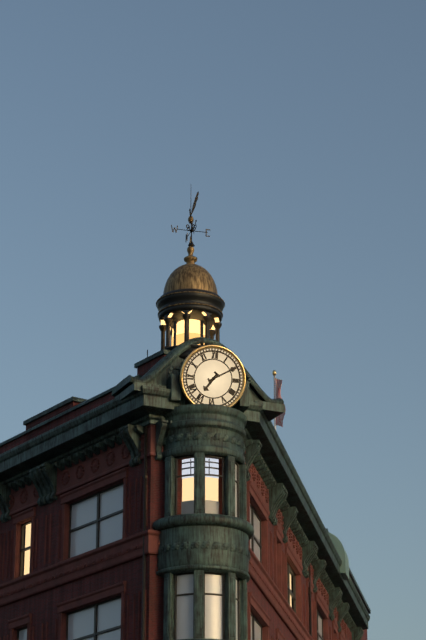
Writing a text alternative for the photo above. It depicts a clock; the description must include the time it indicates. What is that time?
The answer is 7:10
